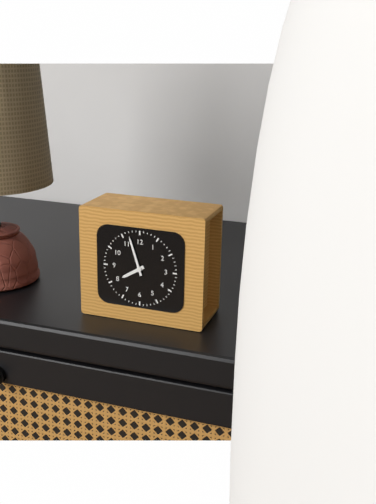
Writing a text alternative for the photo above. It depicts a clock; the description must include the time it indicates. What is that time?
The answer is 7:57
